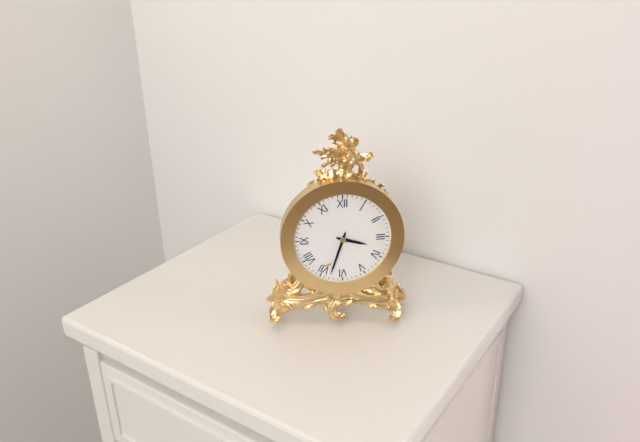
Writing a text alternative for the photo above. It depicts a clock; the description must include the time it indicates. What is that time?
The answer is 3:33
